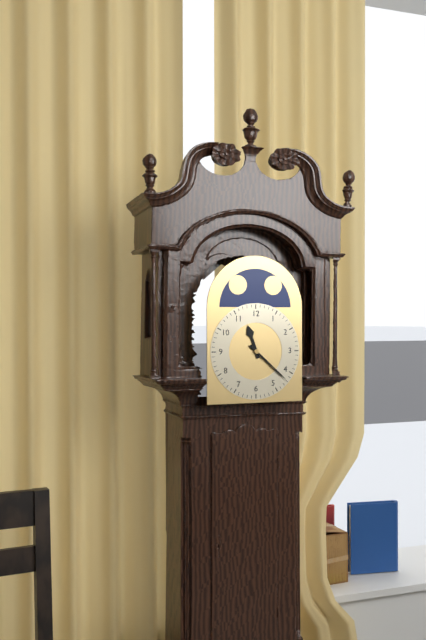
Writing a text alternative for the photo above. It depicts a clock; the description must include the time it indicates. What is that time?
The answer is 11:22
